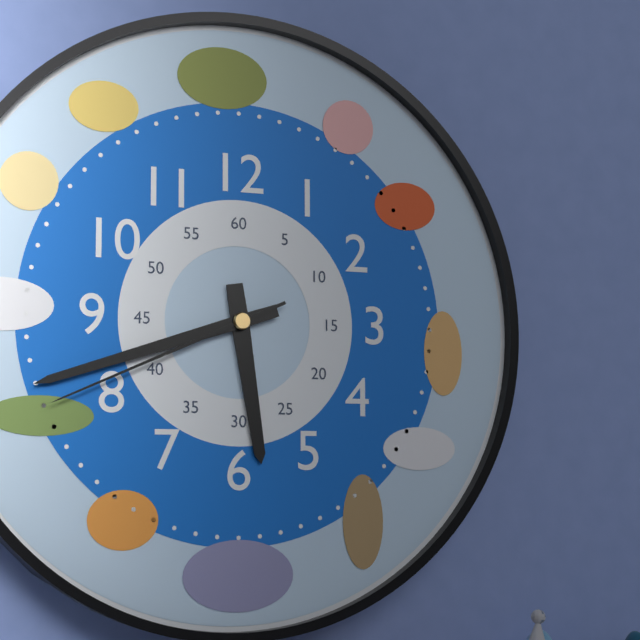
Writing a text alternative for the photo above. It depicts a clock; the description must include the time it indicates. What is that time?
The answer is 5:42:41
